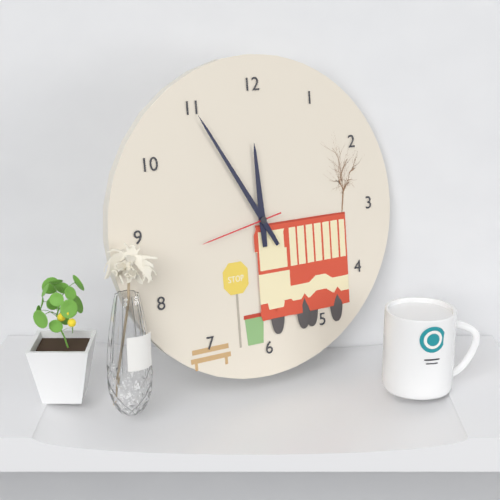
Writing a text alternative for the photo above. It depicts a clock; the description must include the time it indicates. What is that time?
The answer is 11:55:43
